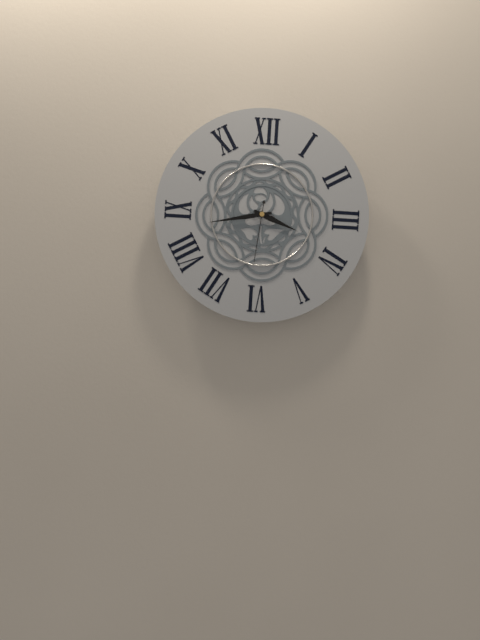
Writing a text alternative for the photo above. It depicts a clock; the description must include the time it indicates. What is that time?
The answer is 3:43:31
